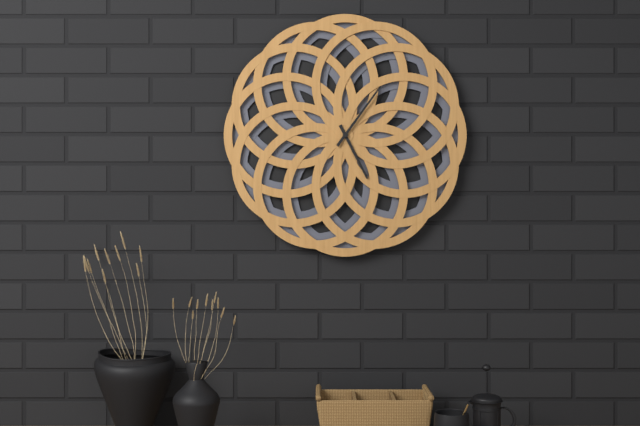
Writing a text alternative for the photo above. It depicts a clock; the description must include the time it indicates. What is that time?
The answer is 5:06
